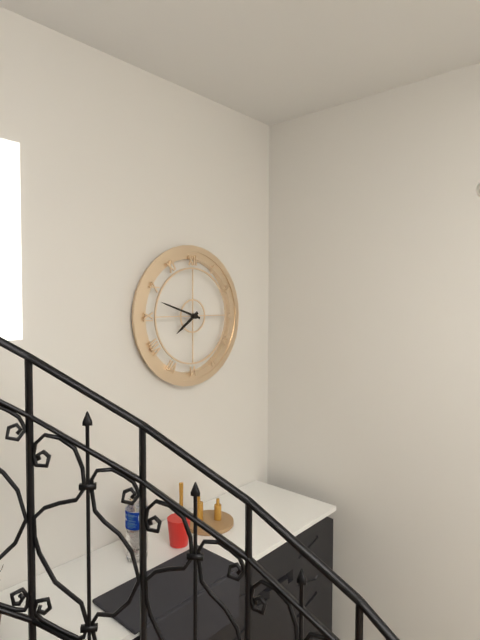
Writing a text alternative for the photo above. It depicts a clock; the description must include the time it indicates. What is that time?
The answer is 7:48
